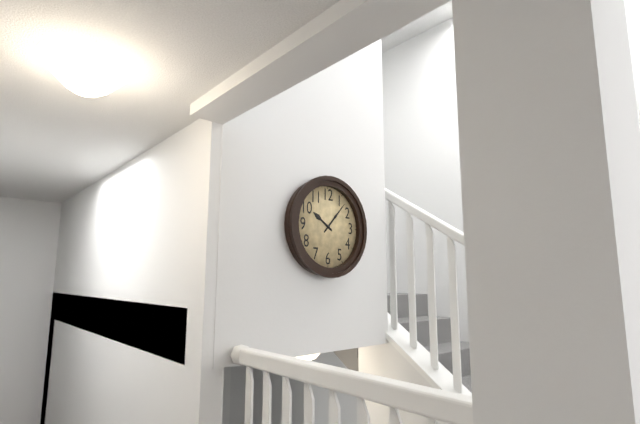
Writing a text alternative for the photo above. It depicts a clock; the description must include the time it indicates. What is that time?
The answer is 10:07
